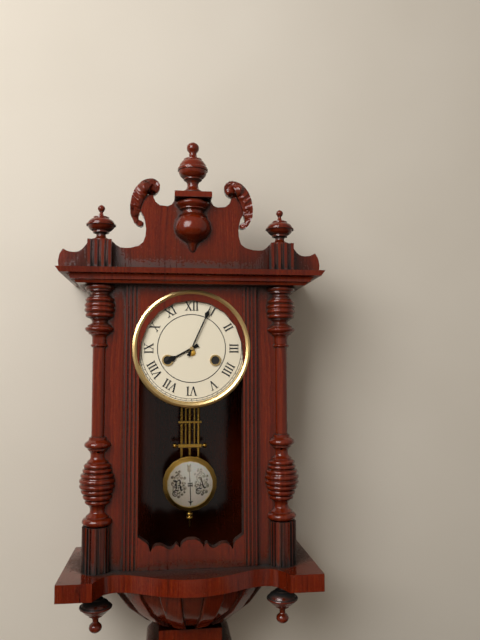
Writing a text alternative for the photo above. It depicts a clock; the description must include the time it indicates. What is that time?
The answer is 8:04
